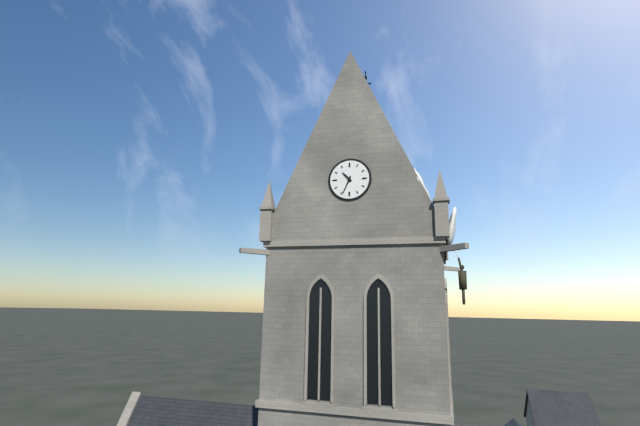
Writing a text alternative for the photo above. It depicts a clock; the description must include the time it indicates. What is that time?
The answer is 10:34
